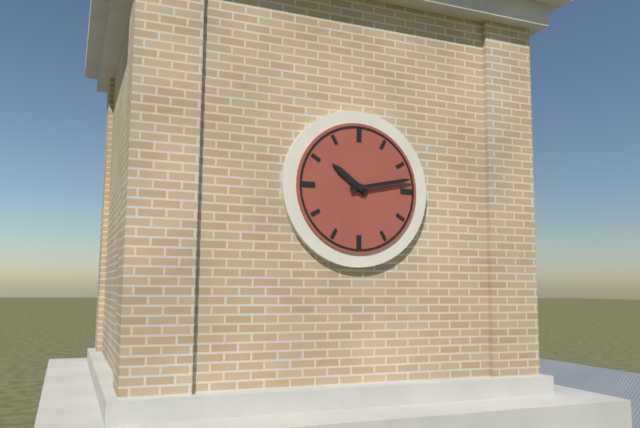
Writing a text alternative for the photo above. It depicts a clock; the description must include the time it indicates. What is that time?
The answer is 10:13
